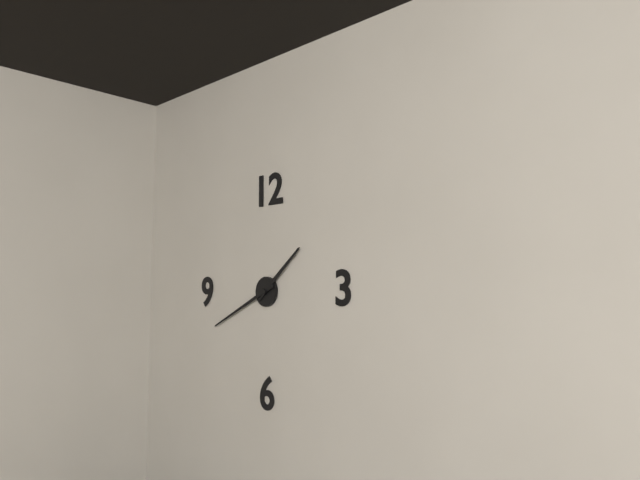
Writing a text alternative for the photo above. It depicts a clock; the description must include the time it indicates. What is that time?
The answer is 1:41
